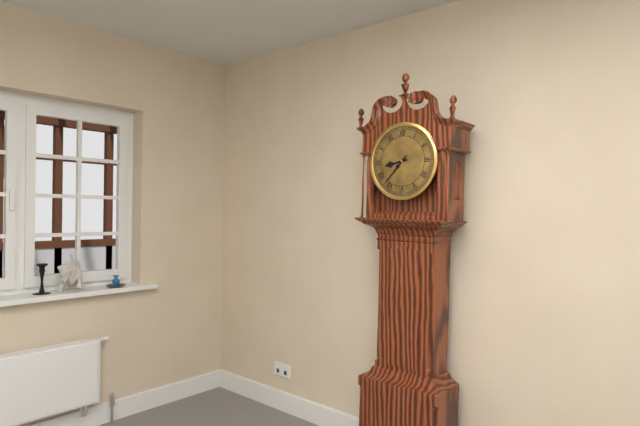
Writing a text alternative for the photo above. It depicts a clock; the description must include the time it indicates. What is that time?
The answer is 8:37
